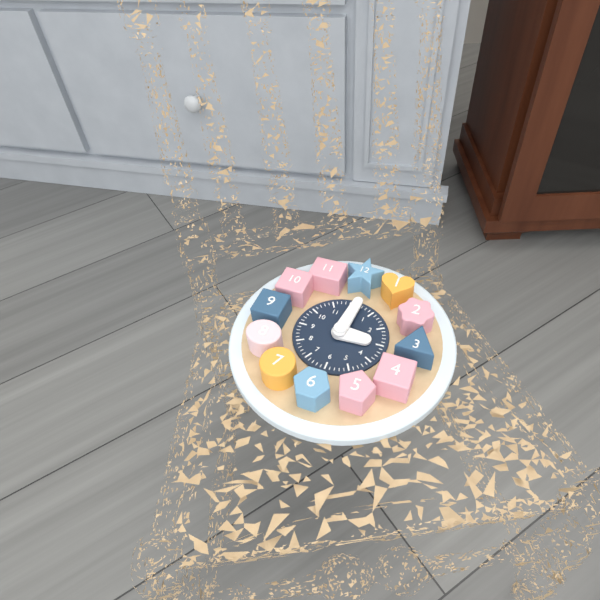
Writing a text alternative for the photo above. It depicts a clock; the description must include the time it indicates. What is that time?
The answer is 3:01
